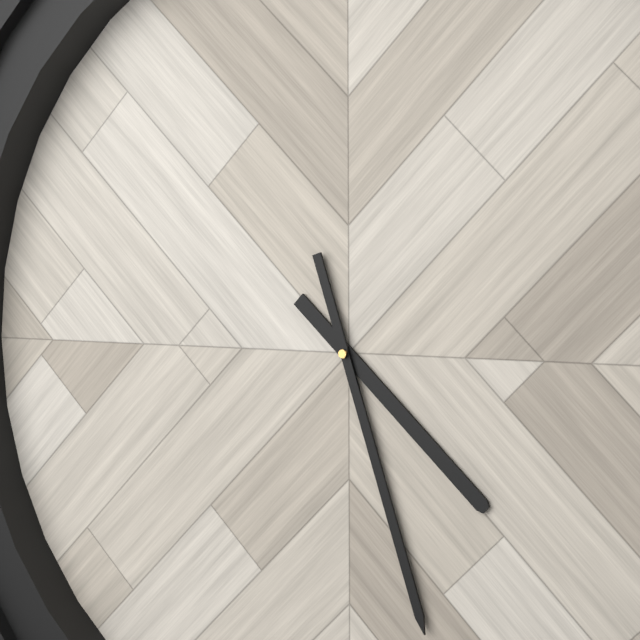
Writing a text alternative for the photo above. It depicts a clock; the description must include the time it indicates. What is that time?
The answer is 4:27
